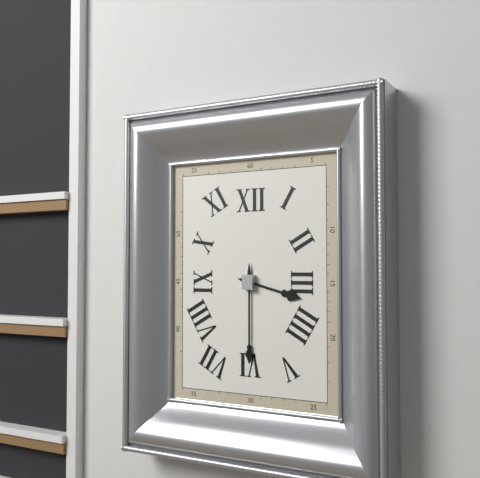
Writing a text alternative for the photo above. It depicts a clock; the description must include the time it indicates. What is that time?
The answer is 3:30
